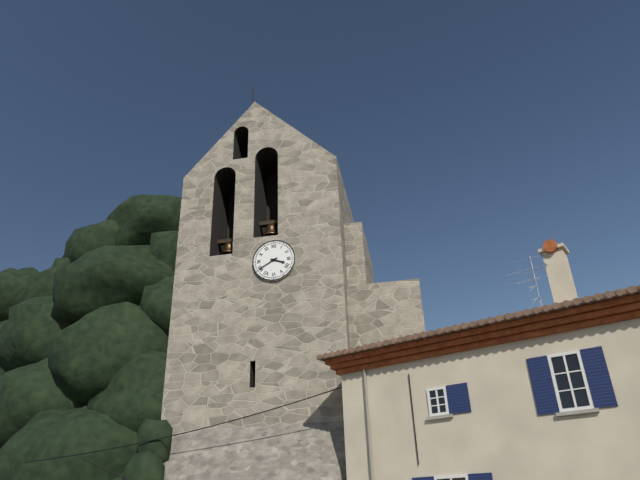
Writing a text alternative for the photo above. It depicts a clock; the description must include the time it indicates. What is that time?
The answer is 3:40
